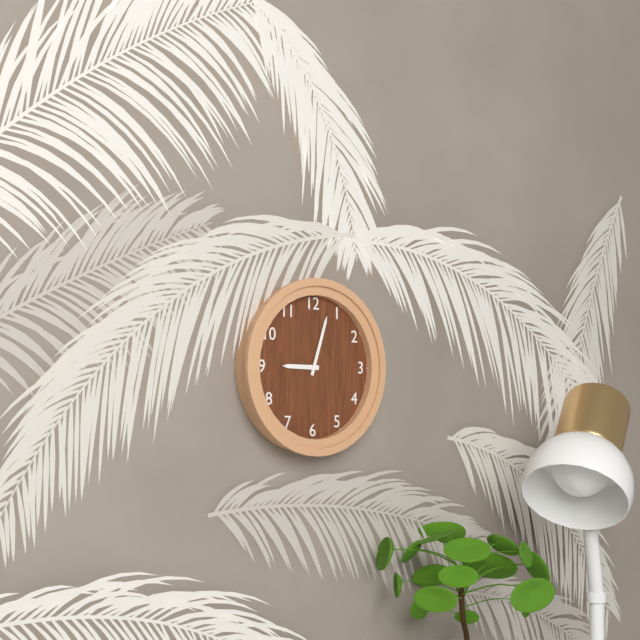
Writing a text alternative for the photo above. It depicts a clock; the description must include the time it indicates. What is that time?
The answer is 9:03
